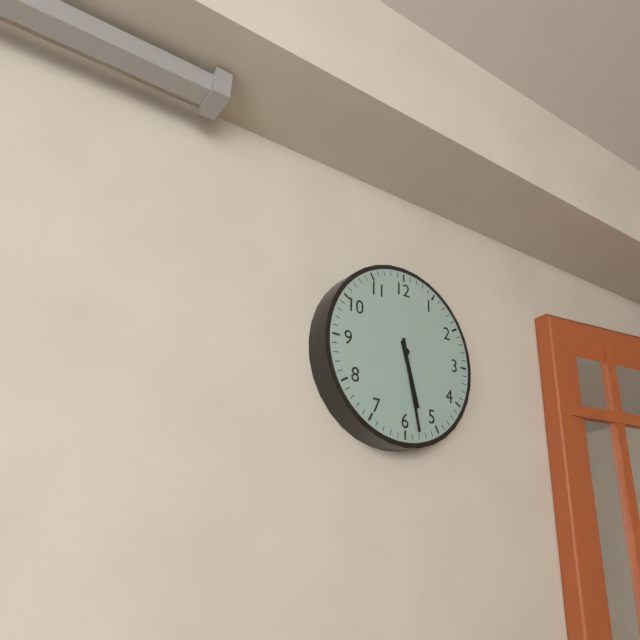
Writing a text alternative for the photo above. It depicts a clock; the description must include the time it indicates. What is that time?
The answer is 5:28
